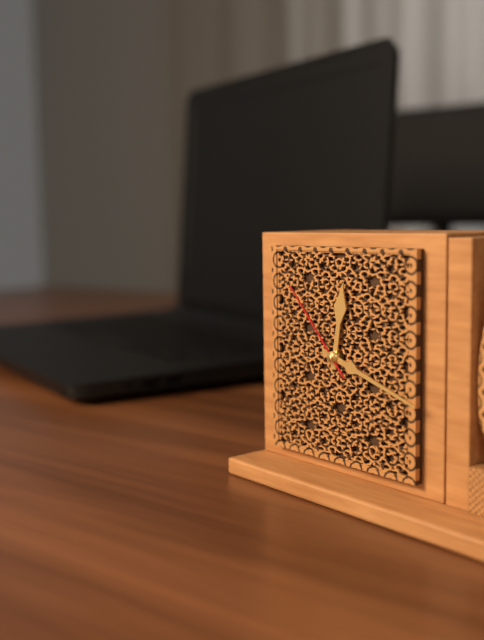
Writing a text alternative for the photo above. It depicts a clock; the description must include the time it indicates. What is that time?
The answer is 12:18:53
